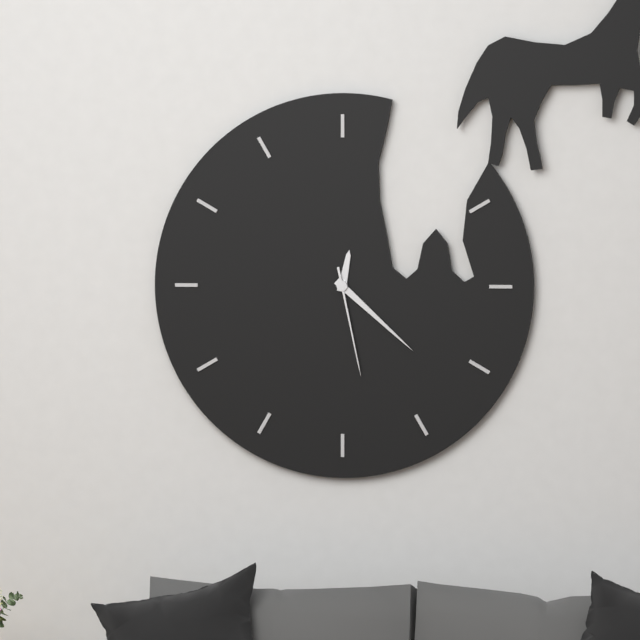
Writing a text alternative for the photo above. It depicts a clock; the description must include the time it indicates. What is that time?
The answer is 12:22:28
